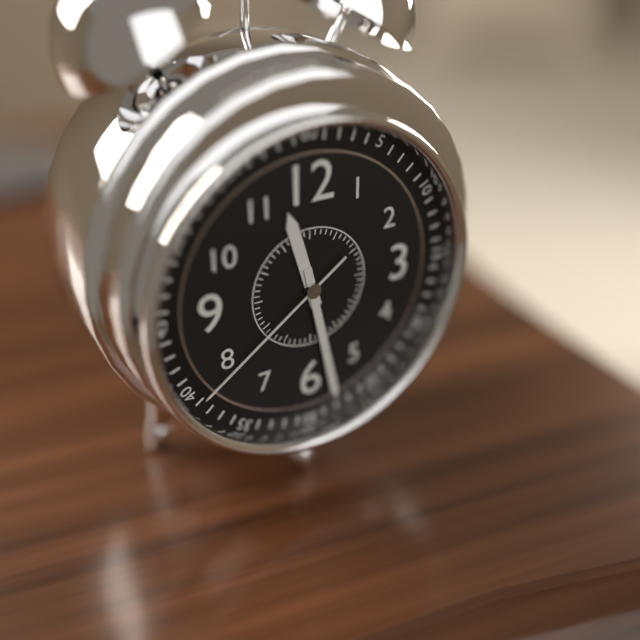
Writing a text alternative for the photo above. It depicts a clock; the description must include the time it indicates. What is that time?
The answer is 11:28:39
